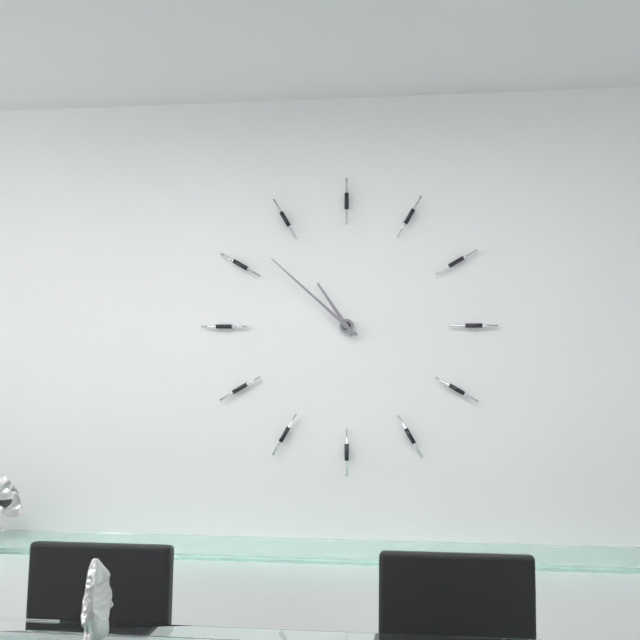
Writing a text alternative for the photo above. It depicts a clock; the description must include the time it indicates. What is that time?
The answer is 10:52
